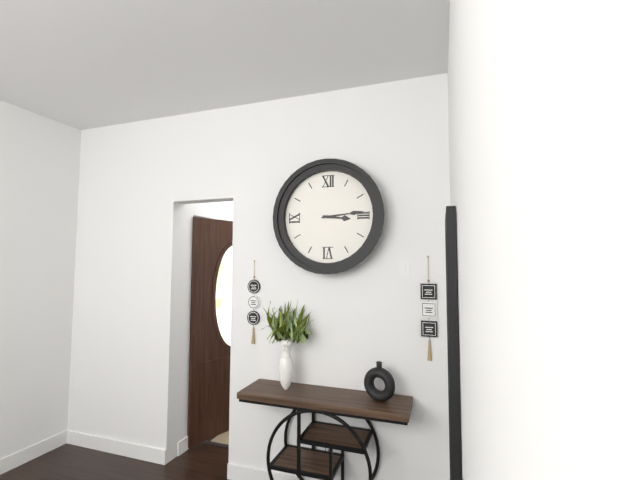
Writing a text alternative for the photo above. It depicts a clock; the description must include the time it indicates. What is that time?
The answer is 3:14
